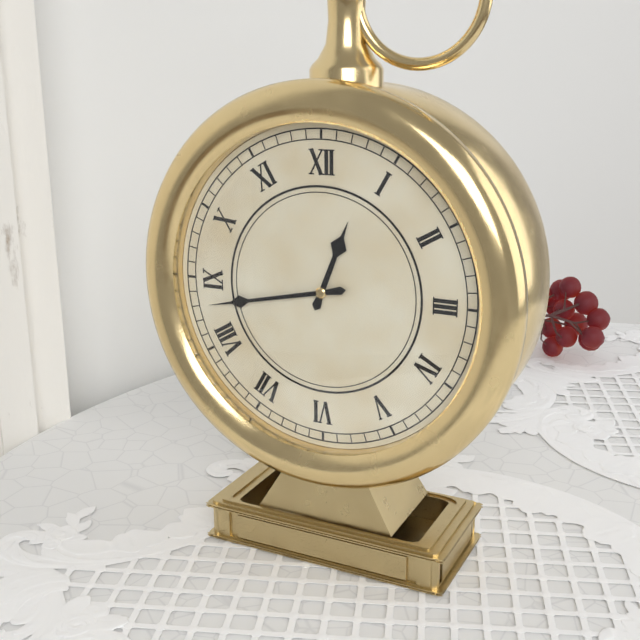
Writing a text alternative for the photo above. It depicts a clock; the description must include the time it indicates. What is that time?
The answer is 12:43
